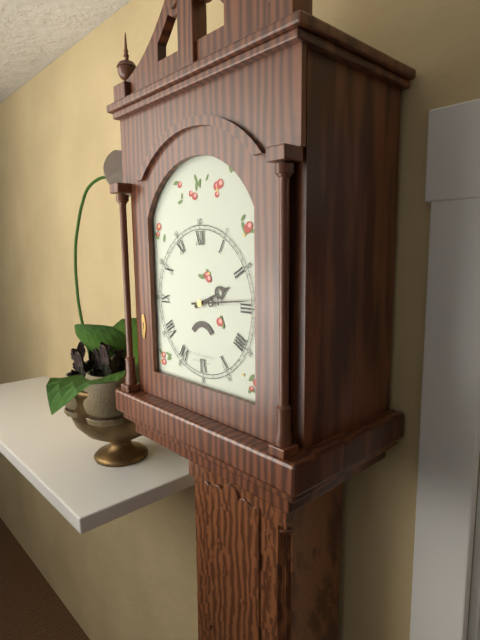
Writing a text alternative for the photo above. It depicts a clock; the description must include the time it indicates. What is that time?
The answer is 2:14
